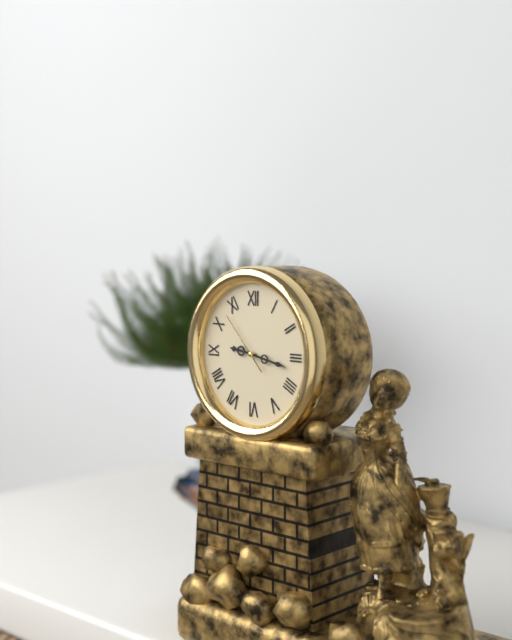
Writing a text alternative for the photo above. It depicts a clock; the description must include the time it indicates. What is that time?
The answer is 9:17:53
